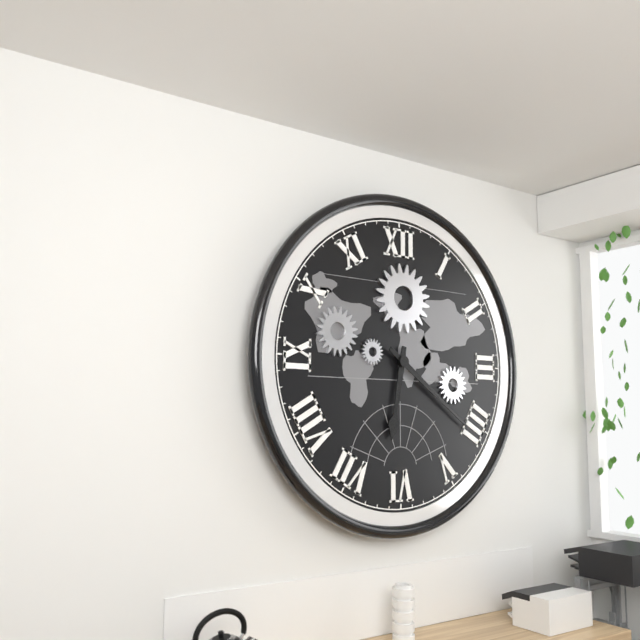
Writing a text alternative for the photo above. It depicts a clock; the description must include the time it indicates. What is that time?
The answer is 6:21
